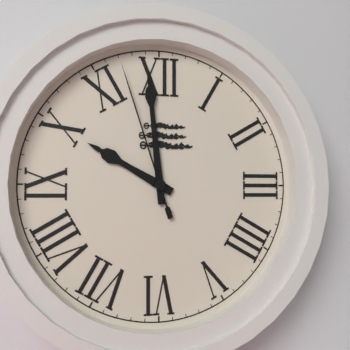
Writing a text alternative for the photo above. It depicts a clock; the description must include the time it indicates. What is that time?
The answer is 9:59:57
